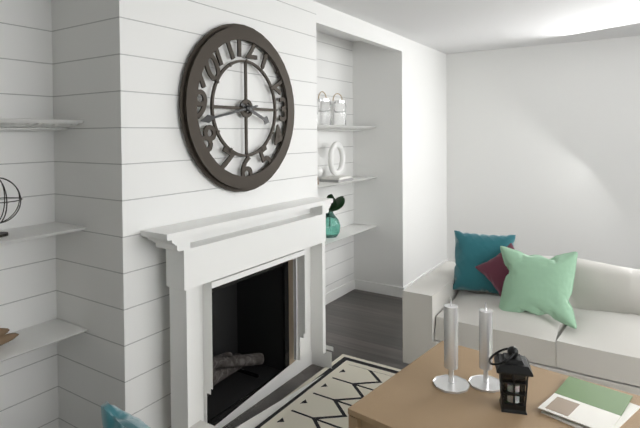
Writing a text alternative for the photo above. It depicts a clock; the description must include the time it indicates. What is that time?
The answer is 3:43
